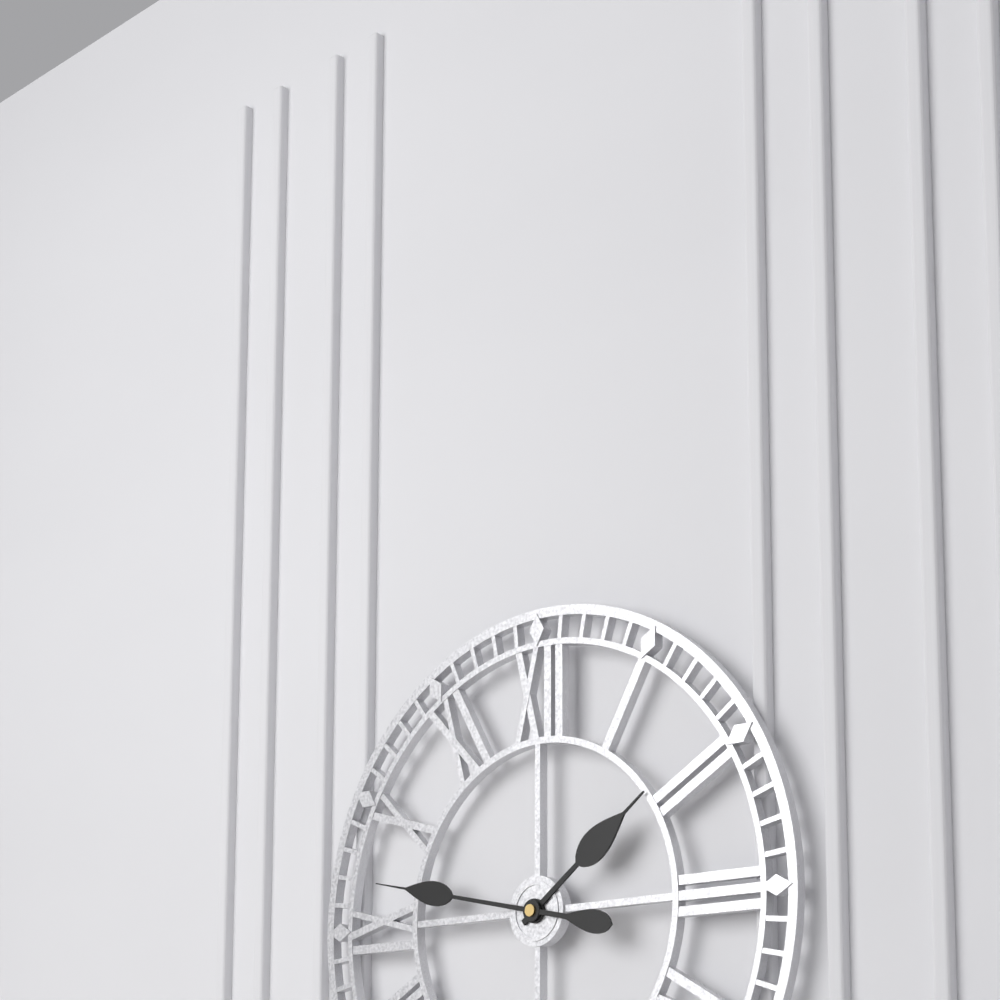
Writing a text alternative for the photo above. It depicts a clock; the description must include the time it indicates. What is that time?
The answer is 1:47
